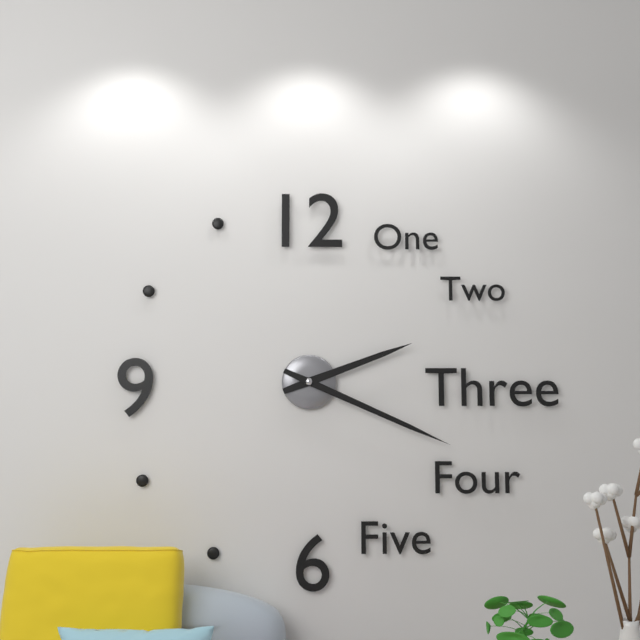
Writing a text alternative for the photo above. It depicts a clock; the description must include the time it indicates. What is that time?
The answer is 2:19
